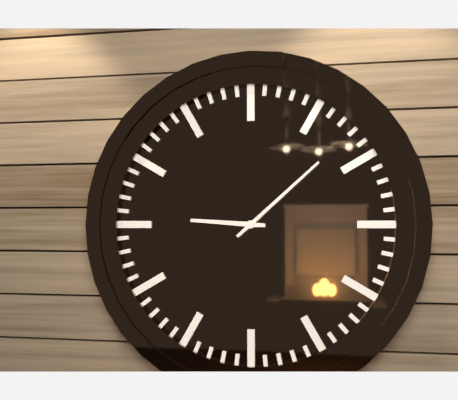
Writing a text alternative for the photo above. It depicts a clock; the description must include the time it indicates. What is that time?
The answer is 9:08
